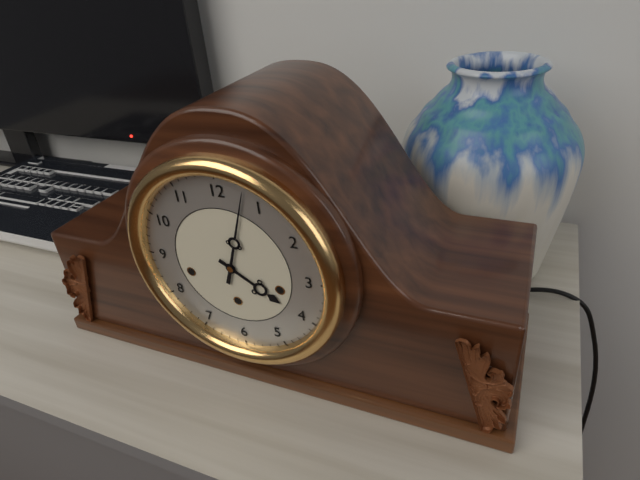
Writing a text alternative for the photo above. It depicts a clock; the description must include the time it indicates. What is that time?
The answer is 4:03
